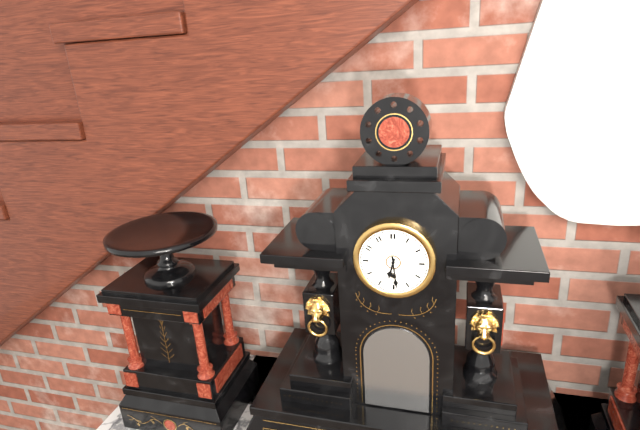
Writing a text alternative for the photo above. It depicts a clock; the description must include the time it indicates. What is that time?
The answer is 6:29
